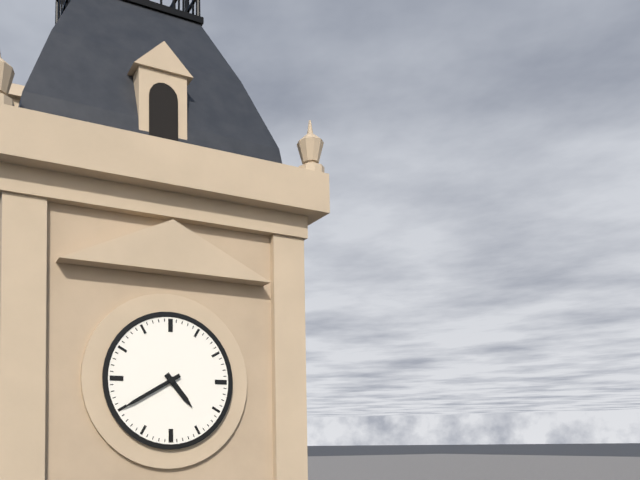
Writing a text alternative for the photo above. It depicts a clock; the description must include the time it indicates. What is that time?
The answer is 4:40
